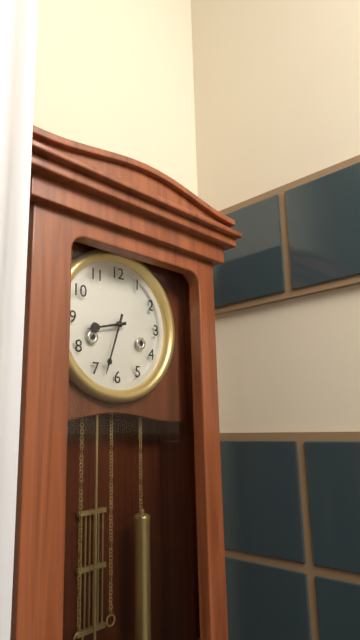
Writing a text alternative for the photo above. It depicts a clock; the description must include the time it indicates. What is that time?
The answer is 8:33
